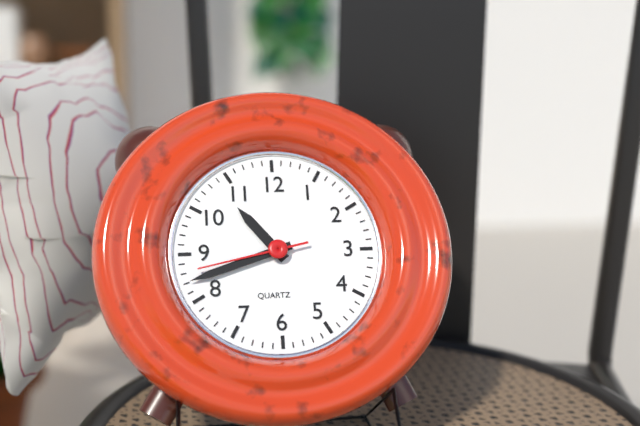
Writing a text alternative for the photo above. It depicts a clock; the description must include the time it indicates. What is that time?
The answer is 10:42:43
